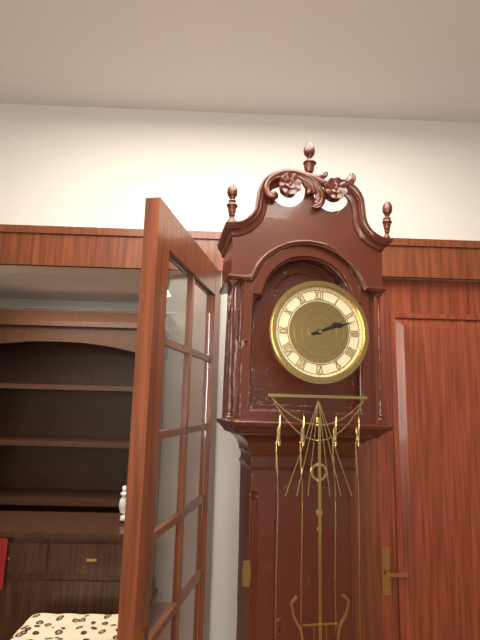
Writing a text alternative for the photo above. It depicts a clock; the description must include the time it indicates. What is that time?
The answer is 2:12
